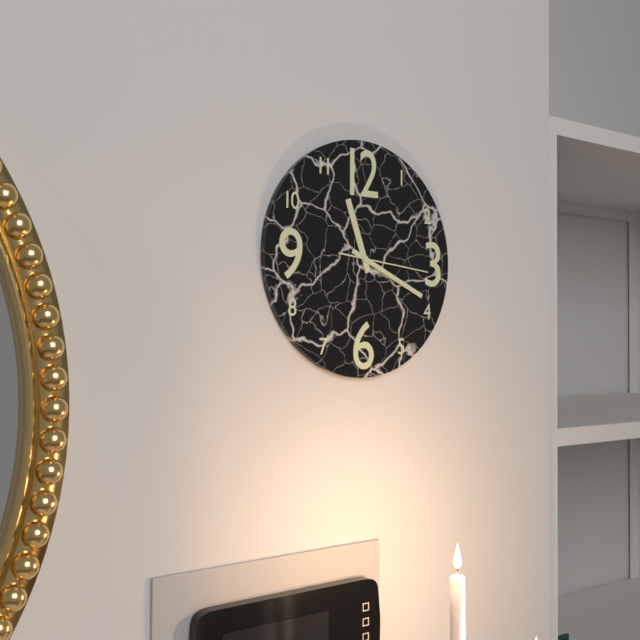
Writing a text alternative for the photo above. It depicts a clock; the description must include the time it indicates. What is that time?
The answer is 11:19:16
